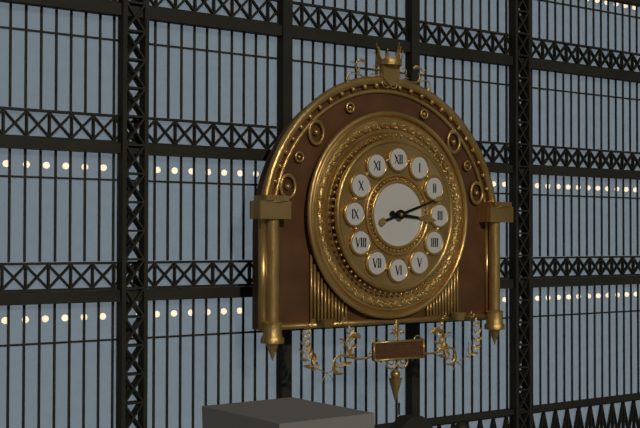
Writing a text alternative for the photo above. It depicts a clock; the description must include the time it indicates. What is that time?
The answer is 3:12
